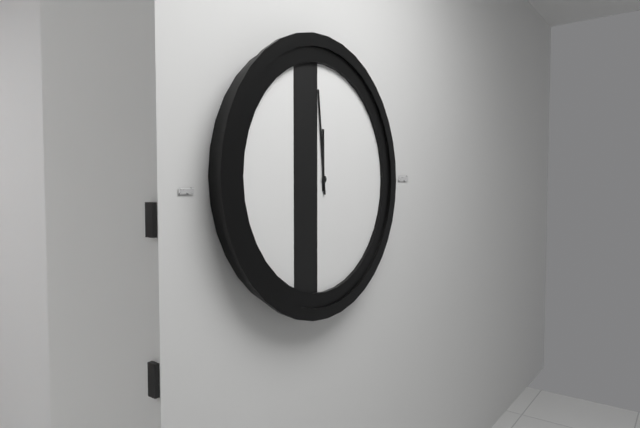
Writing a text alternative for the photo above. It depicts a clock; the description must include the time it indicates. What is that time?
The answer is 11:59
